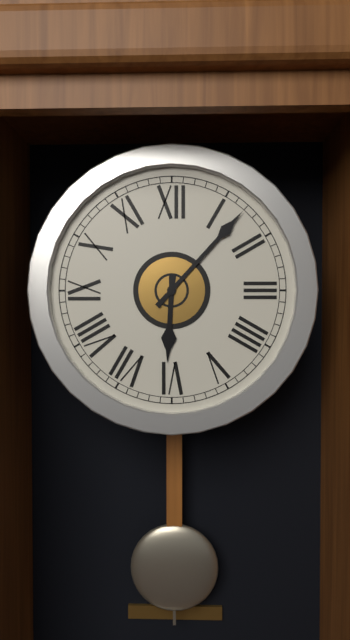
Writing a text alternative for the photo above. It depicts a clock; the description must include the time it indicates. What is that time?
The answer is 6:07
